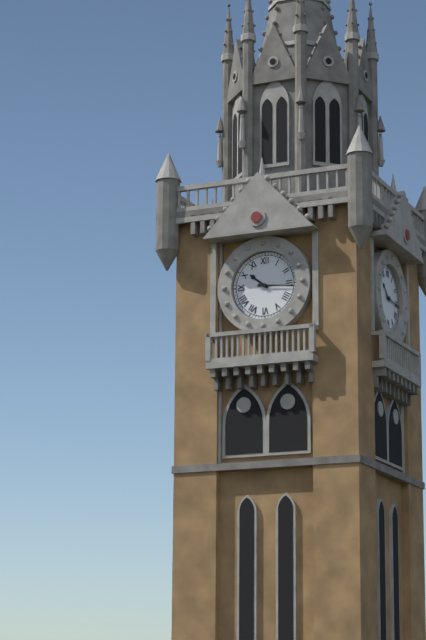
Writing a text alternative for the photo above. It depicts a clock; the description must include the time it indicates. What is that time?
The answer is 10:16
